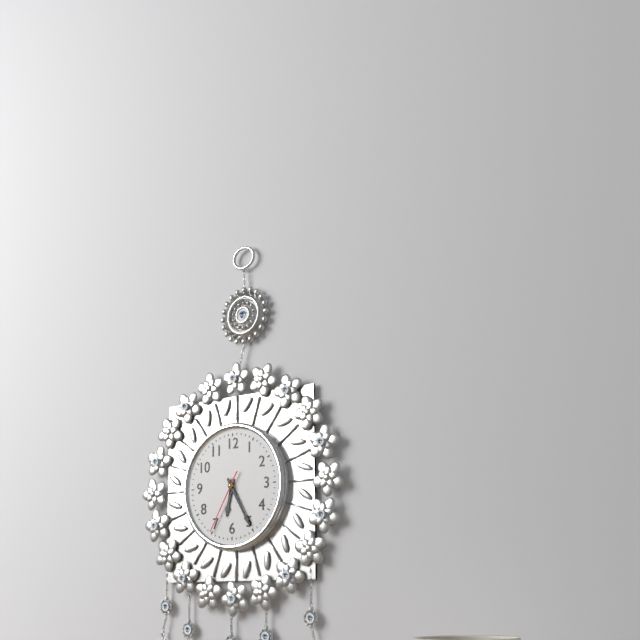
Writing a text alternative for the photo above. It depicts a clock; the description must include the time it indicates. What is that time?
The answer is 6:25:35
